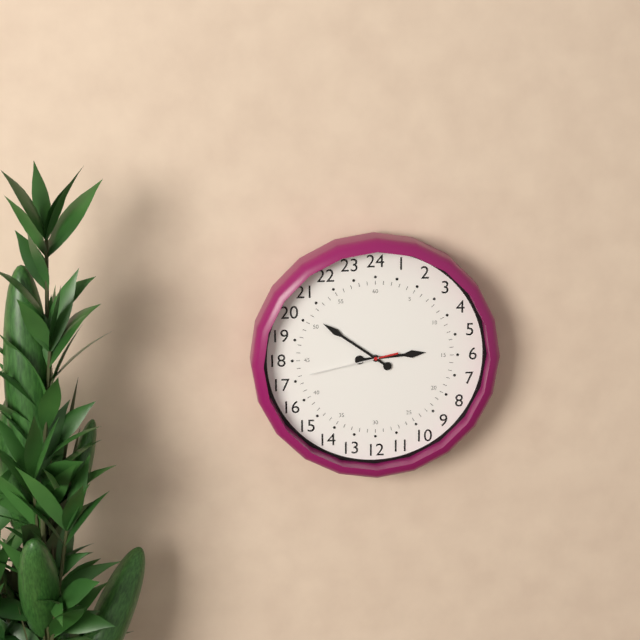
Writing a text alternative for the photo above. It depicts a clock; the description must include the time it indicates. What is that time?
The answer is 2:51:43
